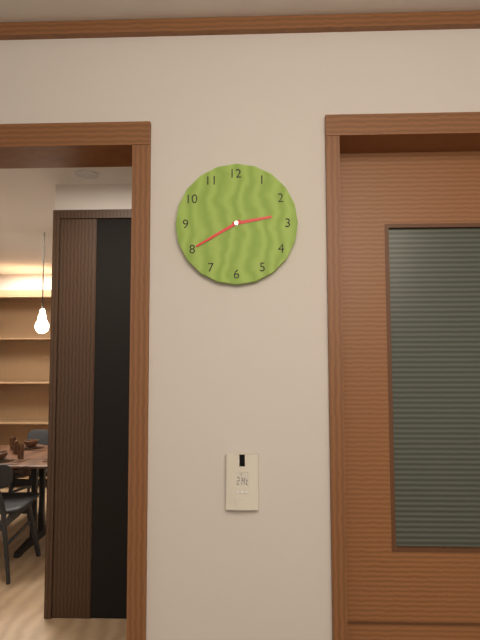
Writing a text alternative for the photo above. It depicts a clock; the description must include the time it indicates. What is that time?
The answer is 2:40
